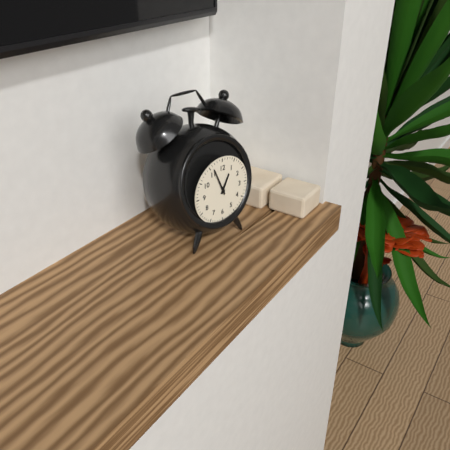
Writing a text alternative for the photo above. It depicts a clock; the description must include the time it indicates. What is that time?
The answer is 12:56
